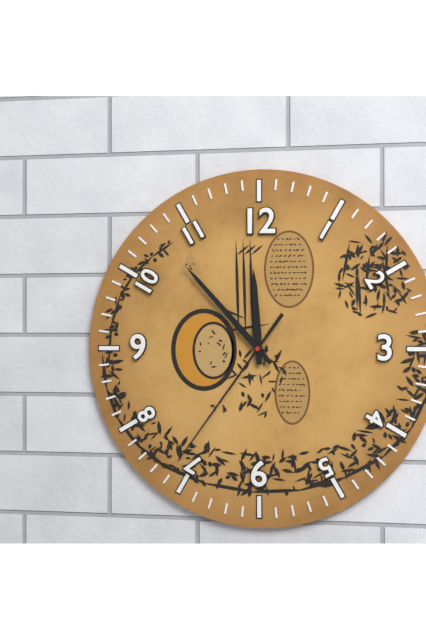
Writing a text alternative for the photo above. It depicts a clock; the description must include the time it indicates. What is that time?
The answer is 11:53:36
